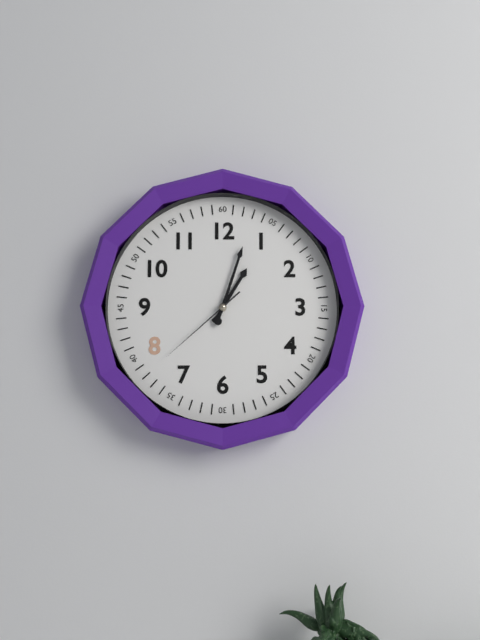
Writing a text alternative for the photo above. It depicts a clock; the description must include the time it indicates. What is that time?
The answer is 1:03:38
